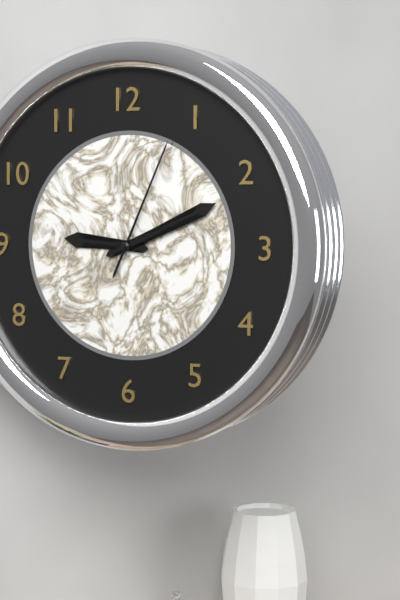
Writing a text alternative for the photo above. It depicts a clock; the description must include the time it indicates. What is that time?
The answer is 9:11:04
